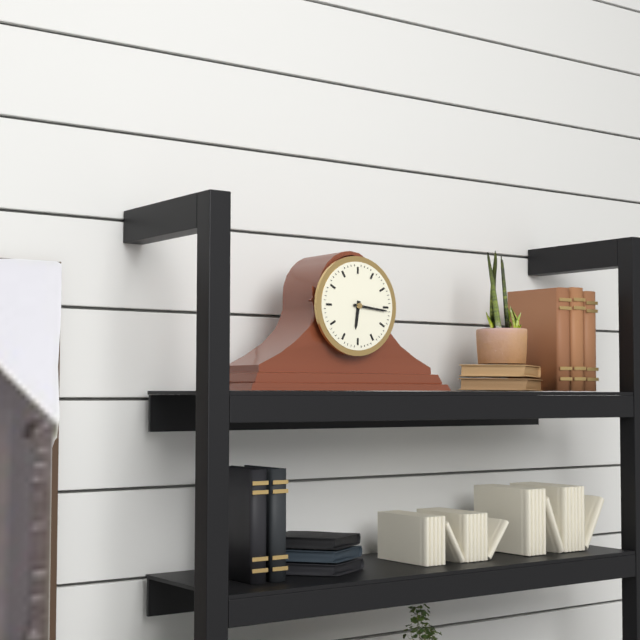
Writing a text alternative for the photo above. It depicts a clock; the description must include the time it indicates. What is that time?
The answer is 6:16
